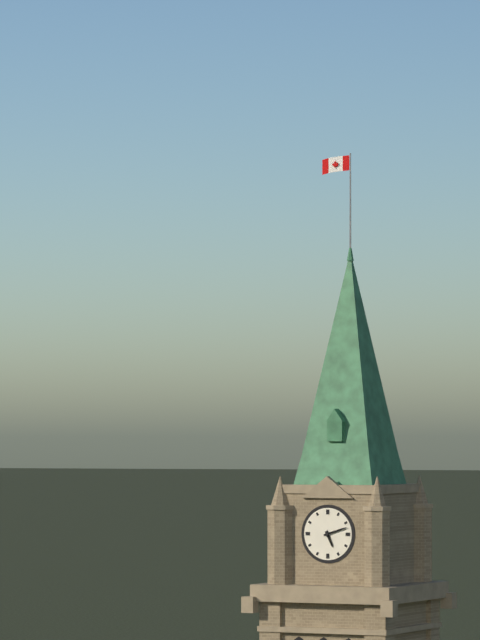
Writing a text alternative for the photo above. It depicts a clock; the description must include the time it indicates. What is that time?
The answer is 5:12
